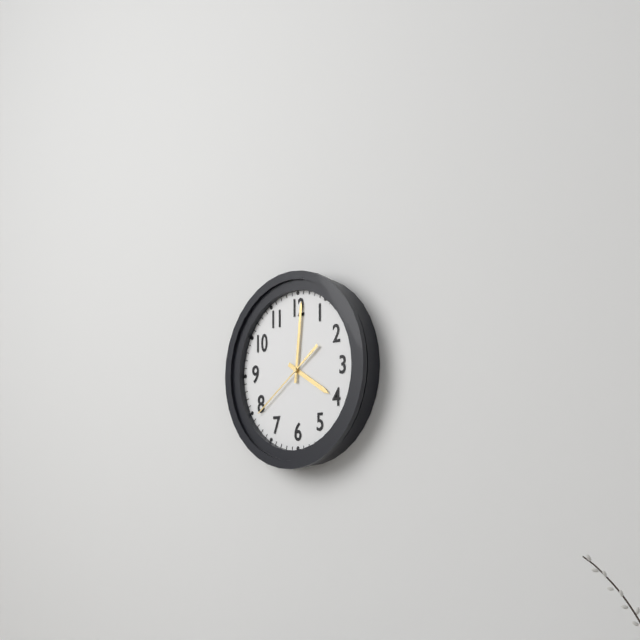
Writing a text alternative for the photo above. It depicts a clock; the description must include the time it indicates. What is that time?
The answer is 4:01:39
